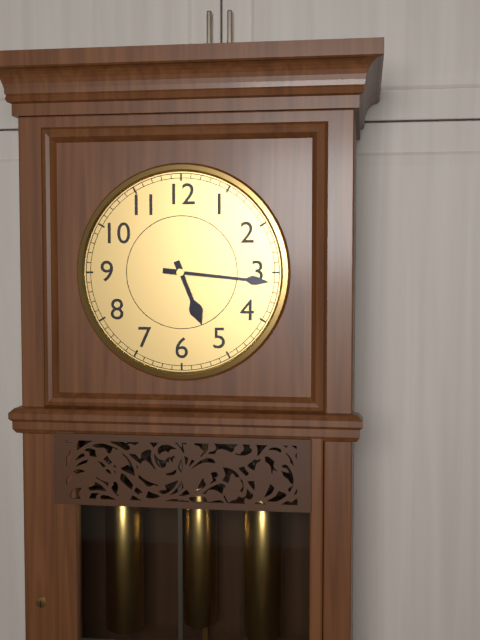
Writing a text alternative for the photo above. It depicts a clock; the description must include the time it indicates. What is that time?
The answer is 5:16
